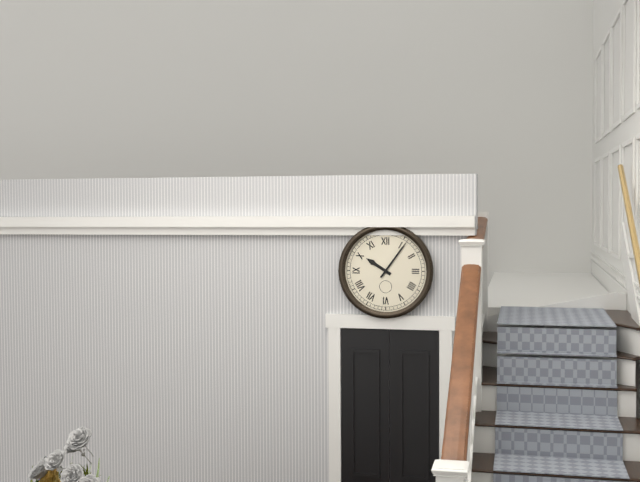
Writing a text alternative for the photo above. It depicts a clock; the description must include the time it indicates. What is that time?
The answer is 10:06
